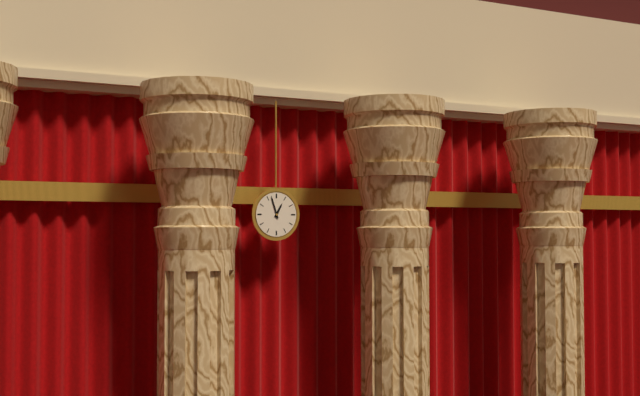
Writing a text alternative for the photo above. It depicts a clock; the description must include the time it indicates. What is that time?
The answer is 12:57
